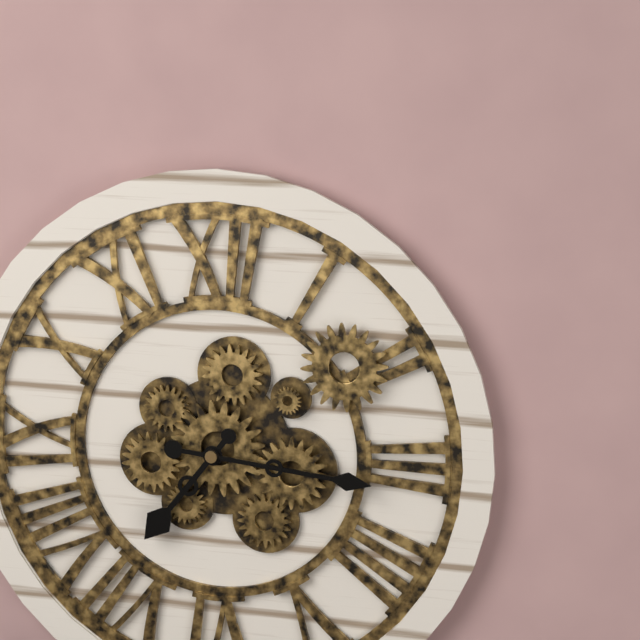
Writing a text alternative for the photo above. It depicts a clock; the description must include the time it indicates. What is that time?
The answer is 7:16
